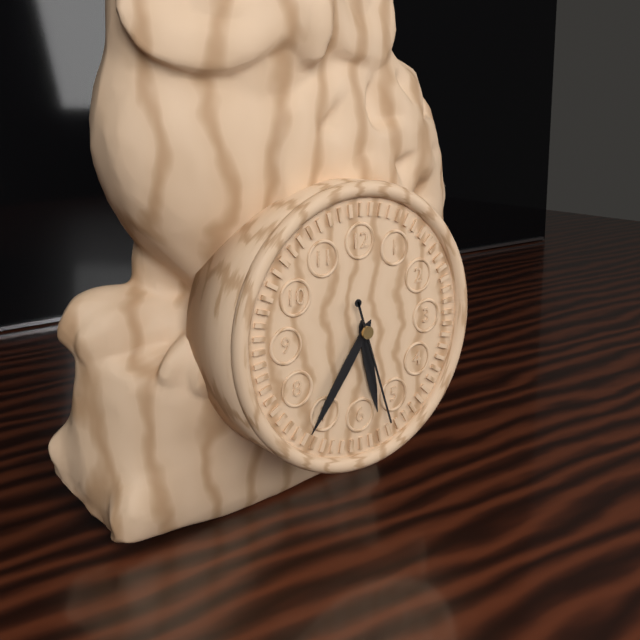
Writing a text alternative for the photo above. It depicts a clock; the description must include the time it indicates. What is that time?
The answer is 5:36:27
